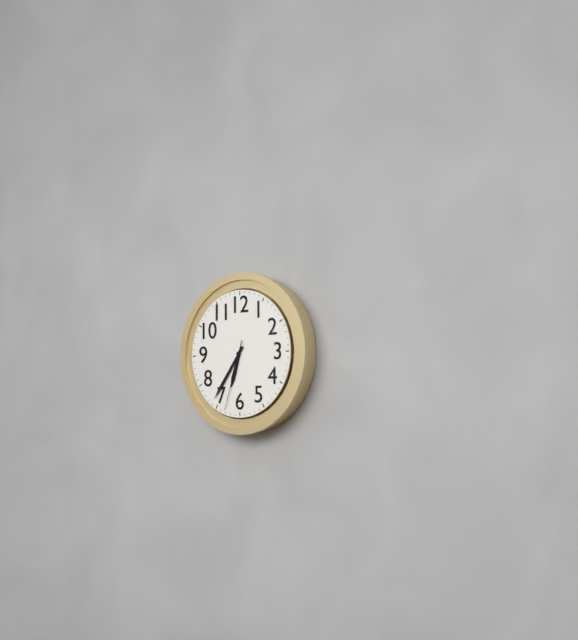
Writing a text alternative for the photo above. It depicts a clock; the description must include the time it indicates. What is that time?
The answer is 6:36:33
